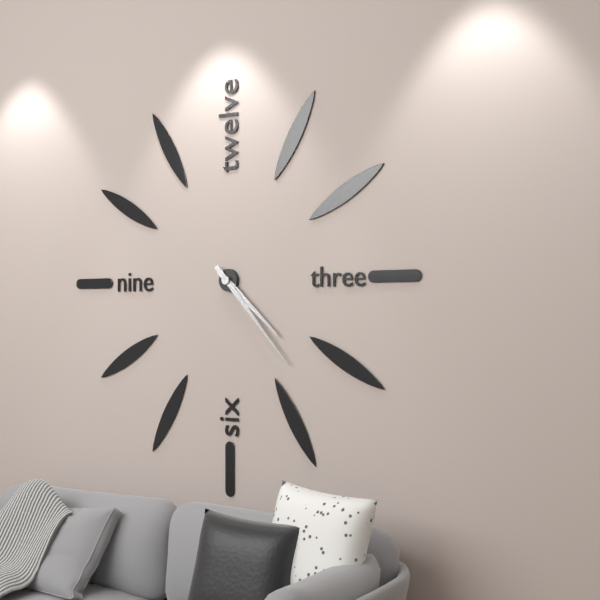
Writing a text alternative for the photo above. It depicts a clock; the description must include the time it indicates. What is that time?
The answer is 4:23
